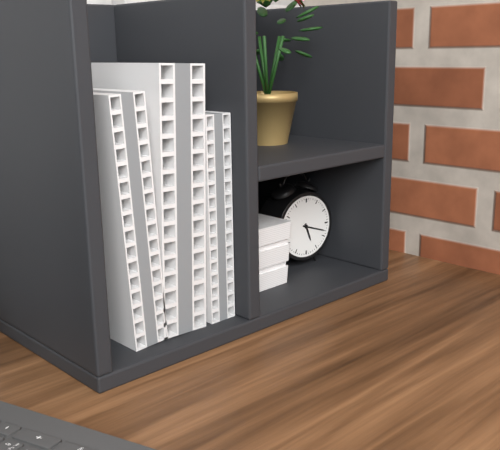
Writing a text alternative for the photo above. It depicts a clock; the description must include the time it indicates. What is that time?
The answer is 5:18
